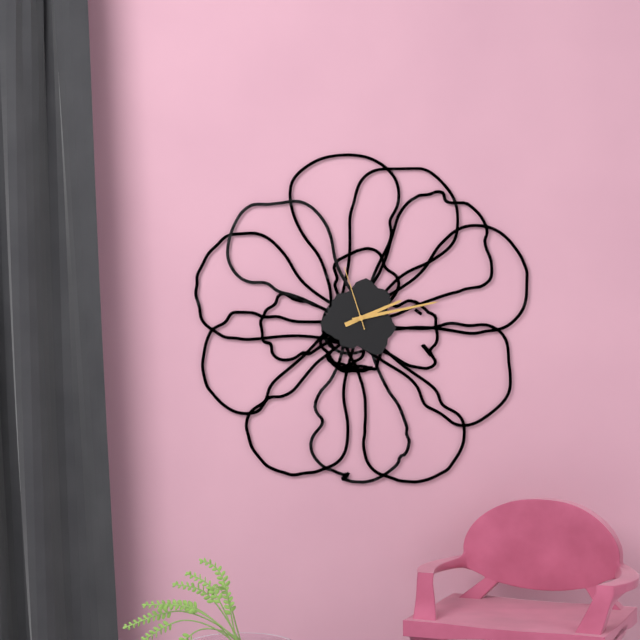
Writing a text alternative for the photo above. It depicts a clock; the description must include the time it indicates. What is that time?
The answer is 2:13:57
